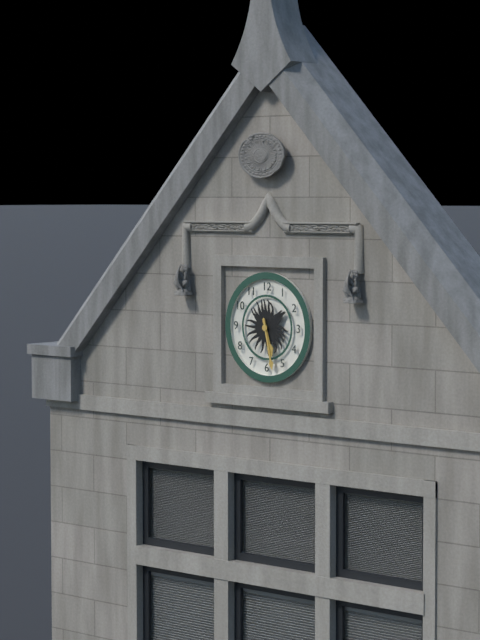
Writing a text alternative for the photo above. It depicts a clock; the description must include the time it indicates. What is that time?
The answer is 5:28
